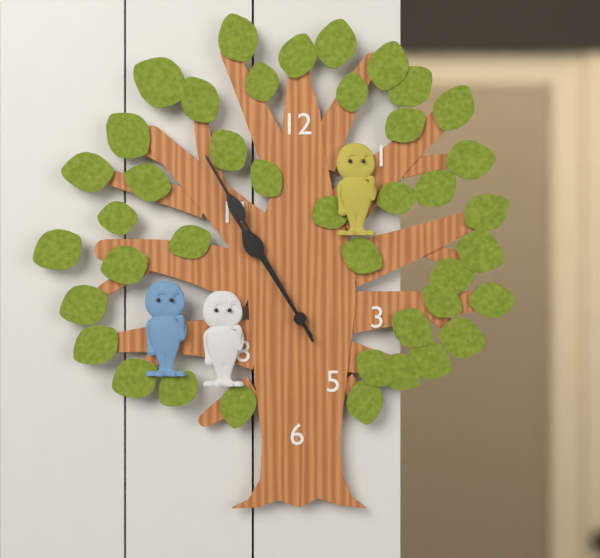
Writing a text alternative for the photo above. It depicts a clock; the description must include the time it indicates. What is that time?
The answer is 10:55
